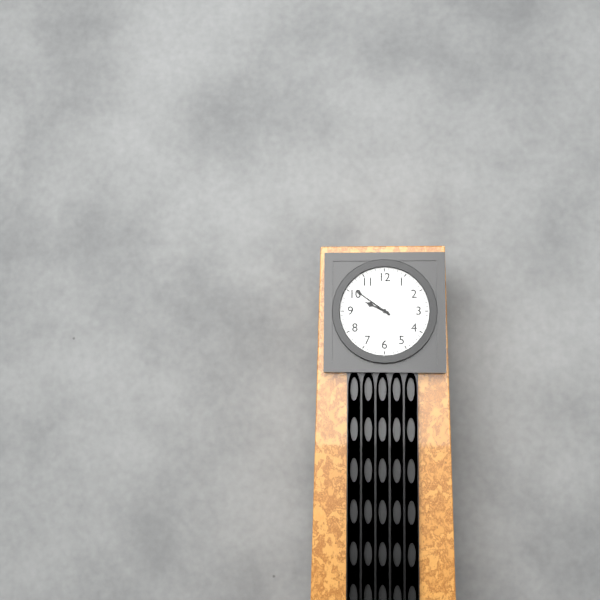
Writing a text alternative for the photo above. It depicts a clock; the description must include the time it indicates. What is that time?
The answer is 9:51
